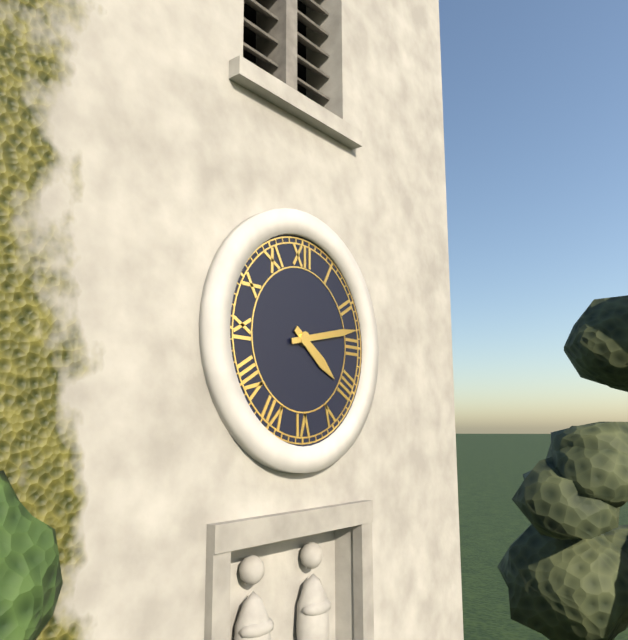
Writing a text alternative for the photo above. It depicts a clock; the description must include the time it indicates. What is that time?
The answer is 4:13
